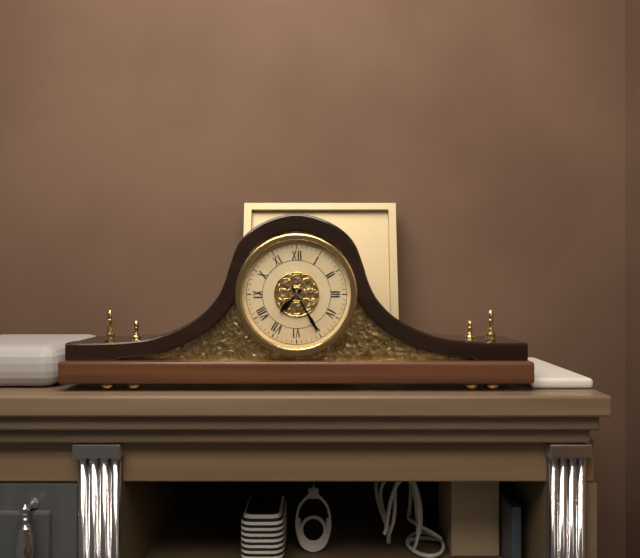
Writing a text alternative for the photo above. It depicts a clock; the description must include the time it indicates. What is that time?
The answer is 7:25
